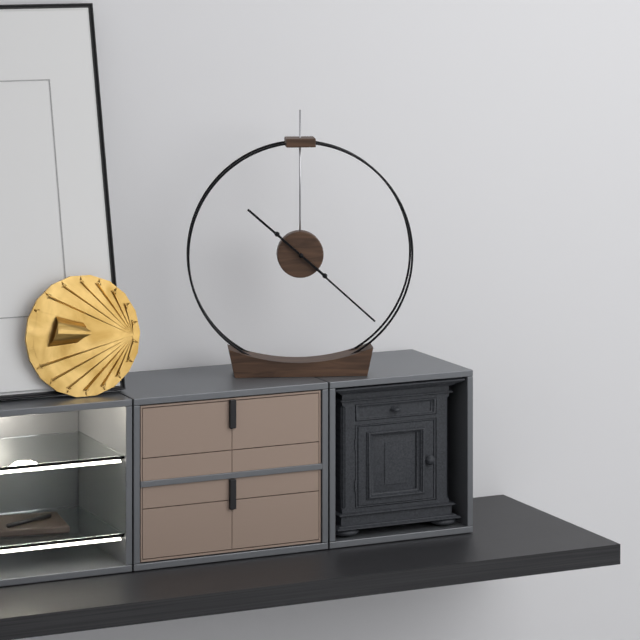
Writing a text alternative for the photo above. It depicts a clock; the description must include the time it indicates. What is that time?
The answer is 10:22
